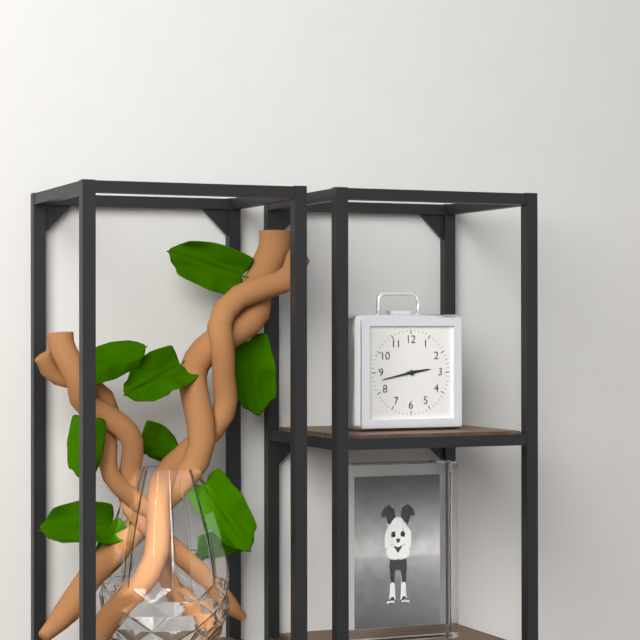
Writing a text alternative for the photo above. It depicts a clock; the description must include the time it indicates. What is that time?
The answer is 2:43
